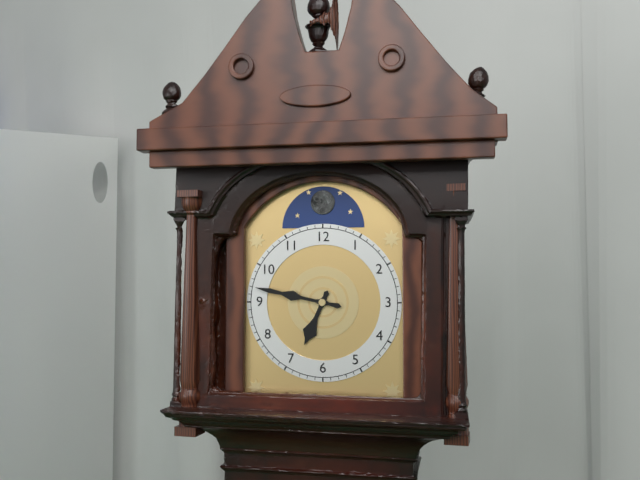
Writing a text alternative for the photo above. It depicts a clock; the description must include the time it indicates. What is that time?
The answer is 6:47
